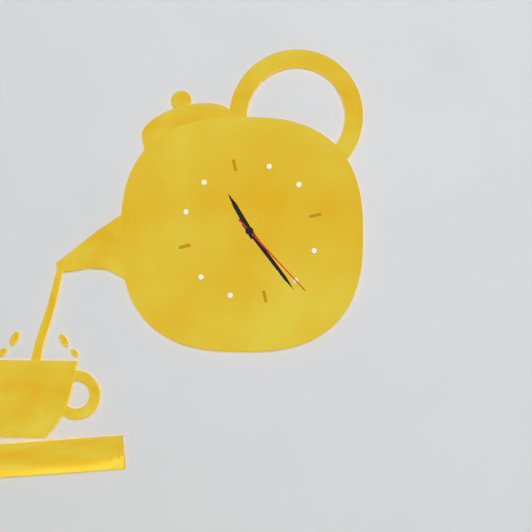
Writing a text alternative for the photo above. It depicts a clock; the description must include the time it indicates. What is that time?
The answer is 11:26:25
